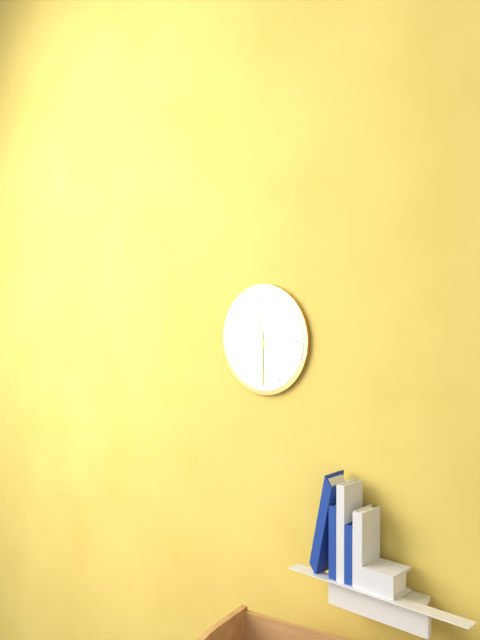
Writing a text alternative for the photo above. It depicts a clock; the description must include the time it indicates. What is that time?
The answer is 11:30
